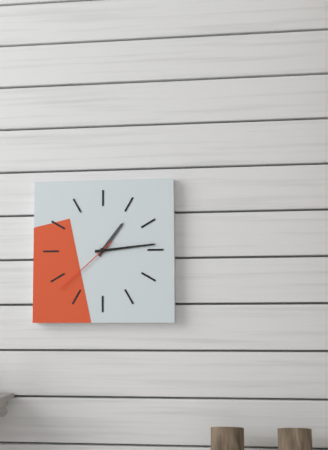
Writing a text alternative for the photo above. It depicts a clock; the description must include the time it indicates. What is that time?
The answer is 1:14:38
